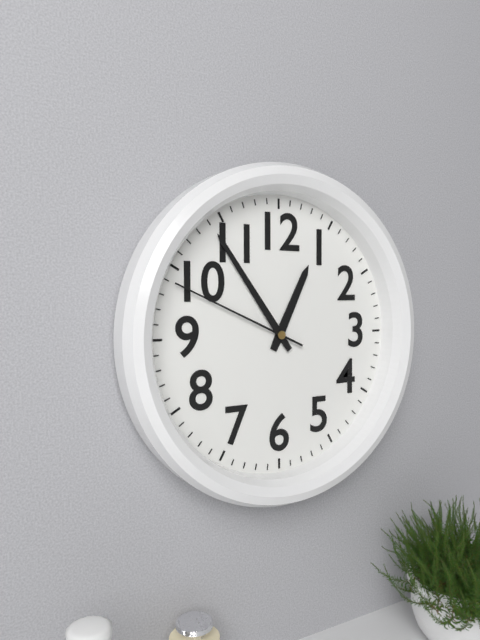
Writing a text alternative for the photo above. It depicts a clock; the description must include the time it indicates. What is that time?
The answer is 12:54:49
